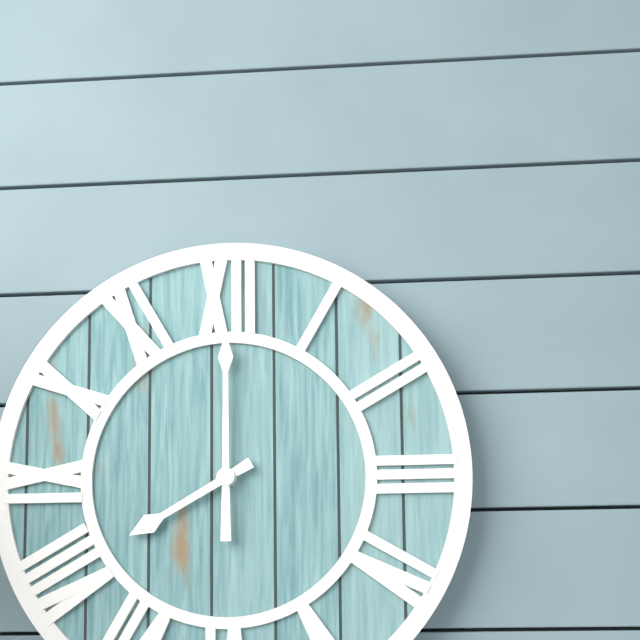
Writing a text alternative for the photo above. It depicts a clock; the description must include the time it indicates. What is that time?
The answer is 8:00
